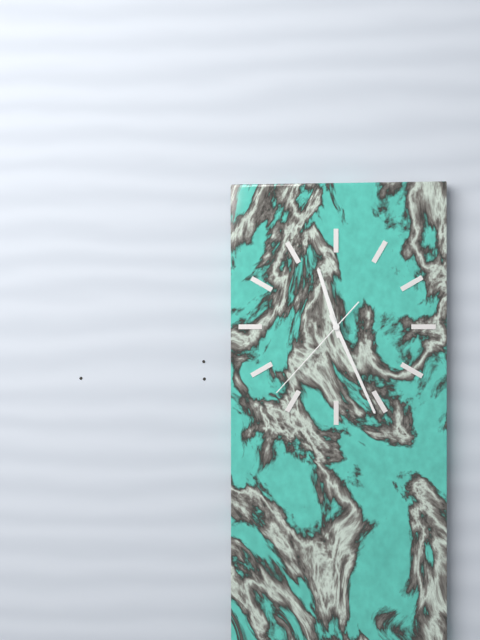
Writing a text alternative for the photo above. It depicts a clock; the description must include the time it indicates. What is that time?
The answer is 11:26:37
